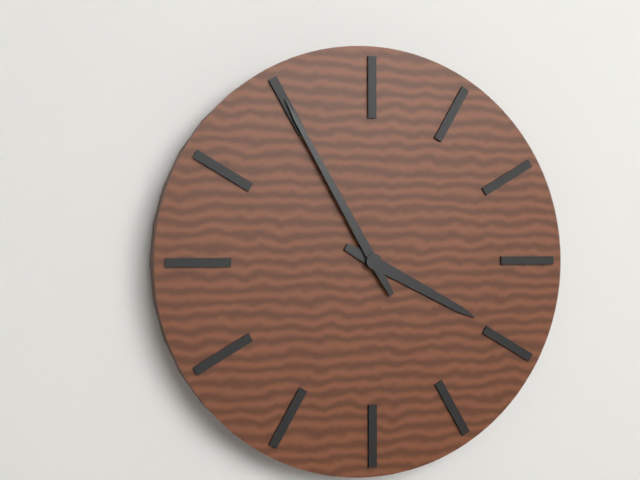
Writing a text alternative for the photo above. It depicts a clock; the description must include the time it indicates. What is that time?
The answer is 3:55
